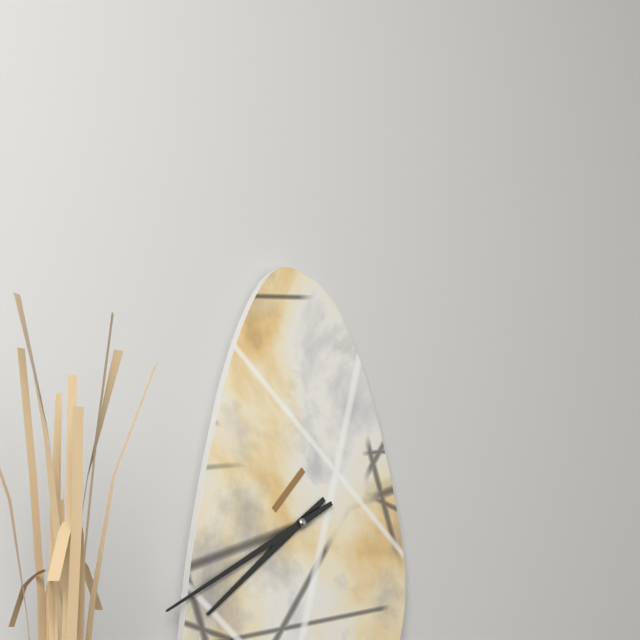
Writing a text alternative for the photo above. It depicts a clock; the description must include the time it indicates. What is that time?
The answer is 7:40
